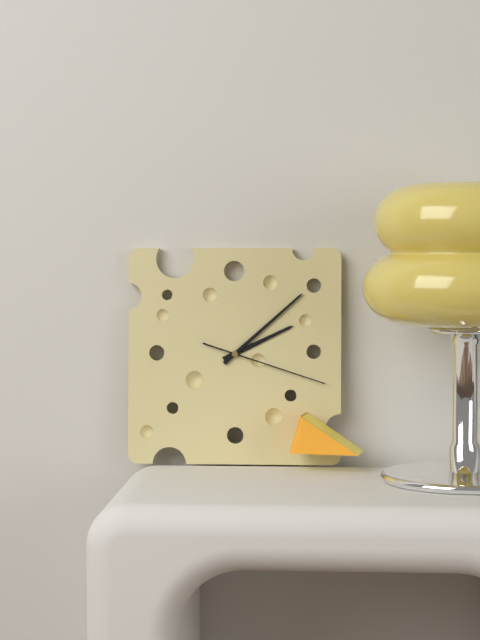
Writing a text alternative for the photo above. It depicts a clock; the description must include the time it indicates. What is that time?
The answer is 2:08:18
